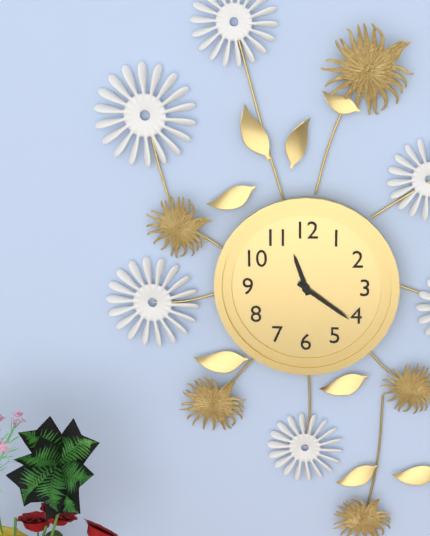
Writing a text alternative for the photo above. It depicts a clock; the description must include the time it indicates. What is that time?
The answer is 11:21
